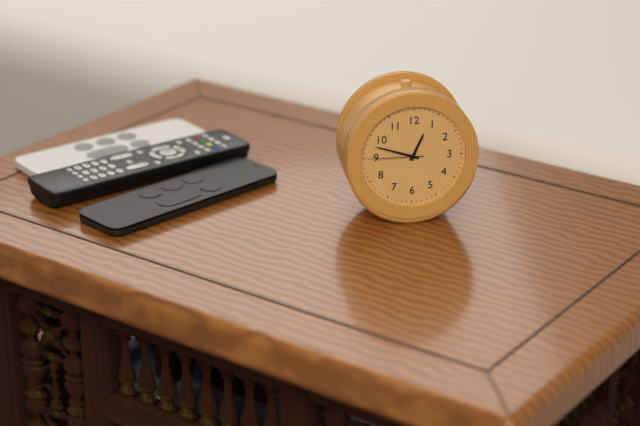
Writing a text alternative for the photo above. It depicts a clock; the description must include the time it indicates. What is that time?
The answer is 12:48:45
